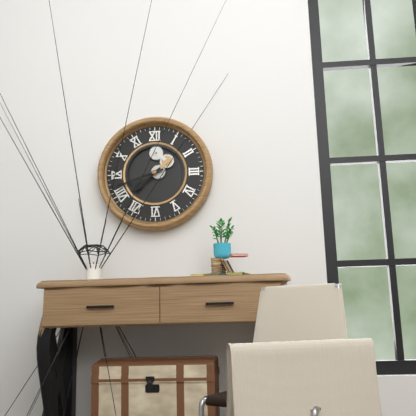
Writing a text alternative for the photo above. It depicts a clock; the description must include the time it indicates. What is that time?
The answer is 7:42
